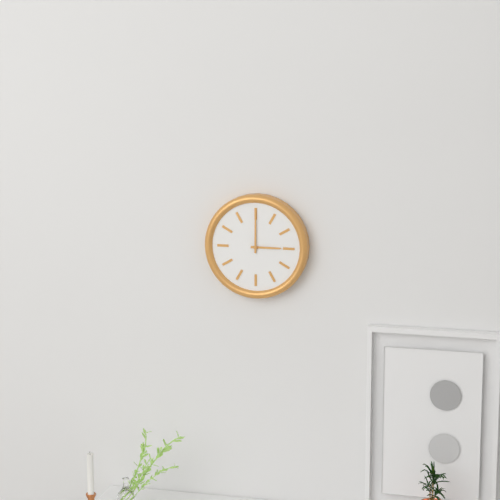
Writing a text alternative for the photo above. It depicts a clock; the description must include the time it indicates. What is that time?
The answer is 3:00
